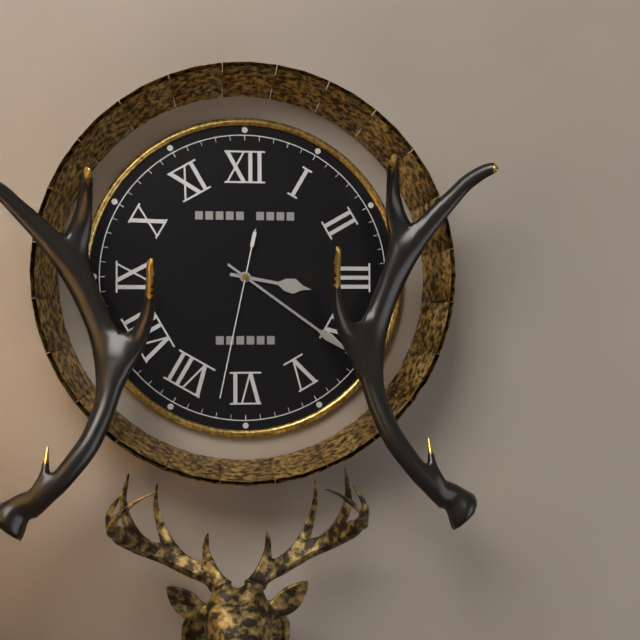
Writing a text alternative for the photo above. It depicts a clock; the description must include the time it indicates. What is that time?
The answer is 3:21:32
